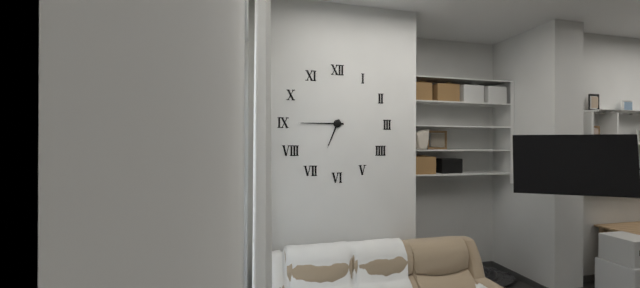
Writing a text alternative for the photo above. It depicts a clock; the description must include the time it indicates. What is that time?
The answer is 6:45
